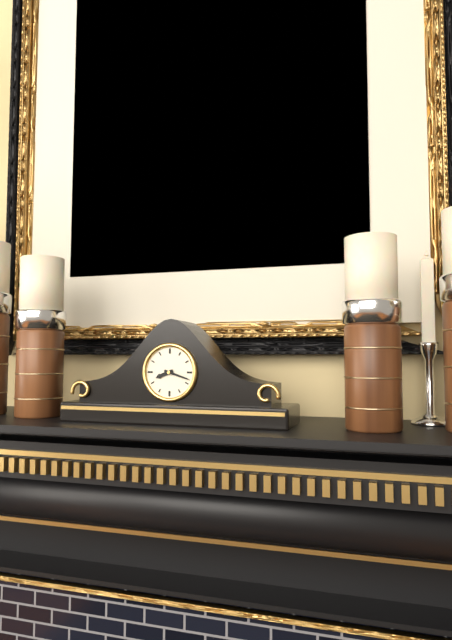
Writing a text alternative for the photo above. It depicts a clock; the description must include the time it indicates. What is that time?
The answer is 8:18
